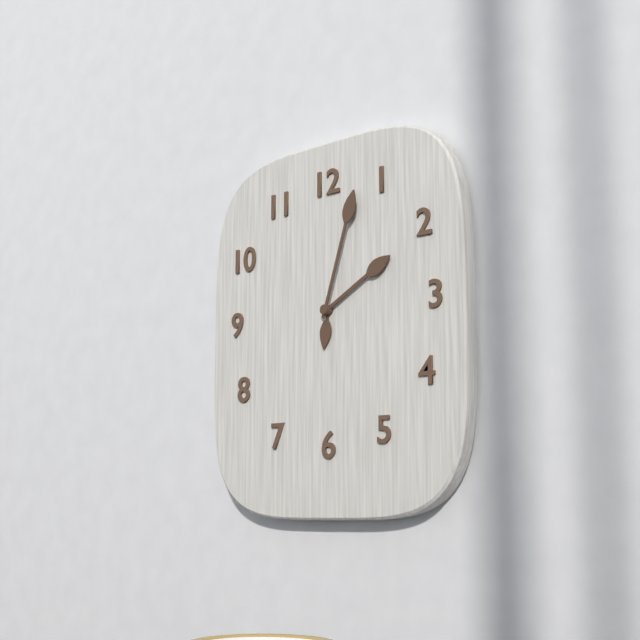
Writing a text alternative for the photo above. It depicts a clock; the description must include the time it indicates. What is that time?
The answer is 2:03
